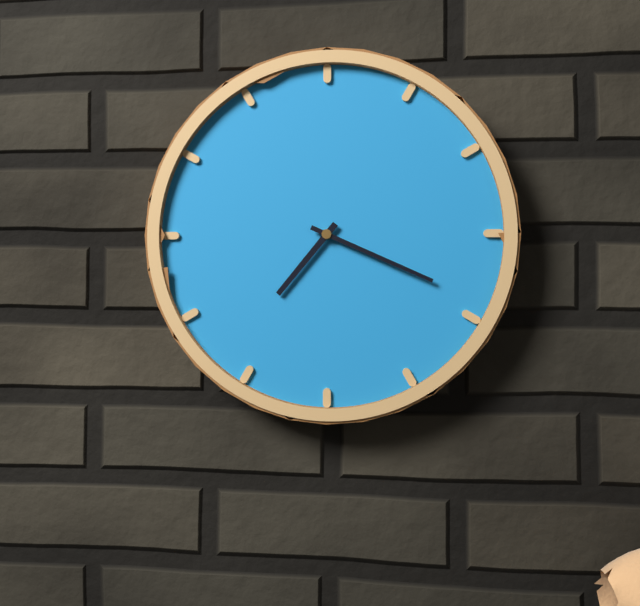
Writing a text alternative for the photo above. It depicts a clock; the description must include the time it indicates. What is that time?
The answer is 7:19
